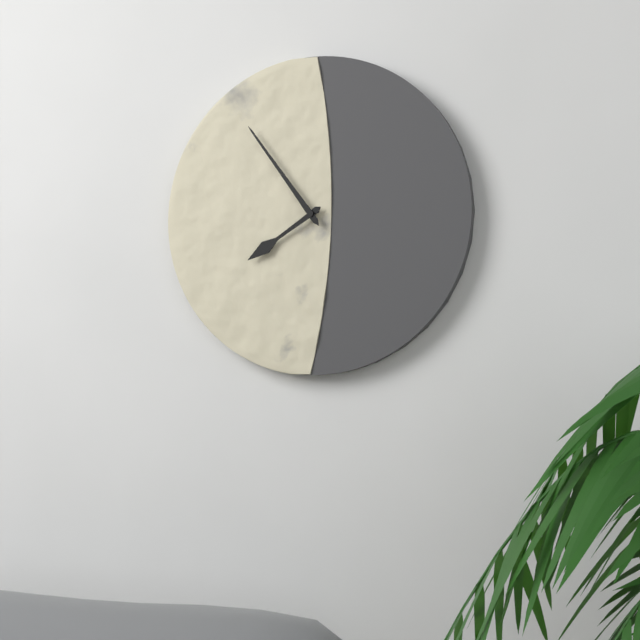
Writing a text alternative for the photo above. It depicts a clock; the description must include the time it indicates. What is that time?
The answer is 7:54
